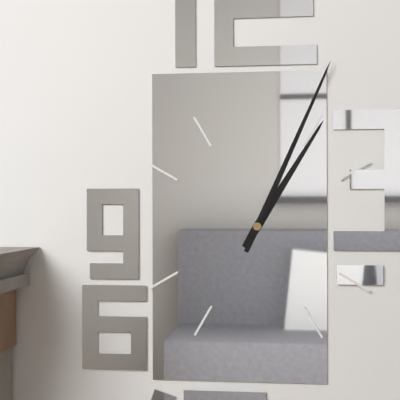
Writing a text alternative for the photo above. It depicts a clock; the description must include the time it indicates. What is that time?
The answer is 1:04
